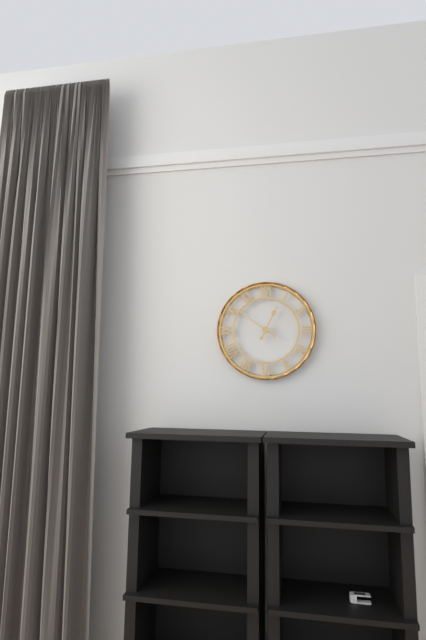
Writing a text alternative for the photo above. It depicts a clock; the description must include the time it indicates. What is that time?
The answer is 12:51
